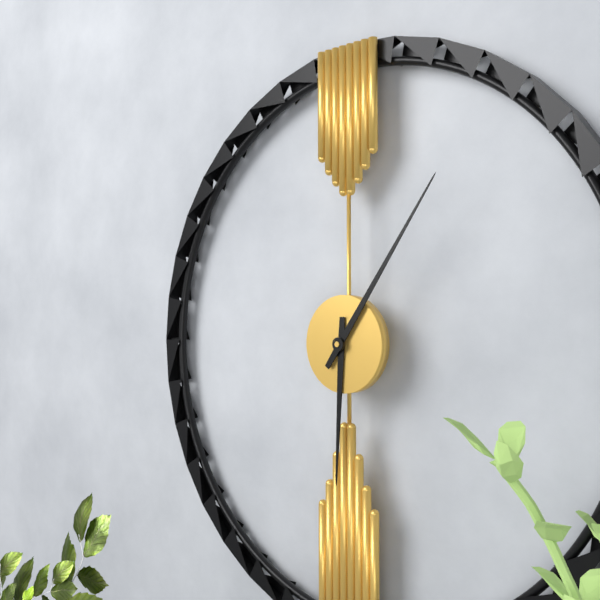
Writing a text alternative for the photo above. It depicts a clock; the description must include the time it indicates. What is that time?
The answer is 6:06
